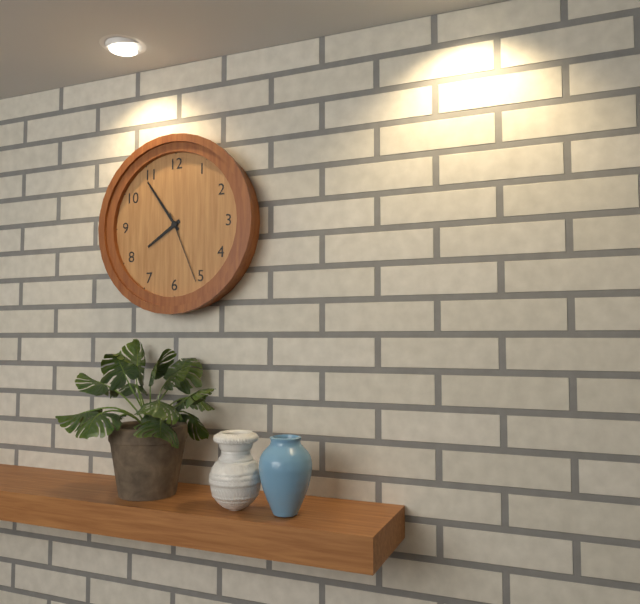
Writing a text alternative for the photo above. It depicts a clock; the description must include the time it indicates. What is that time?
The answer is 7:54:26
